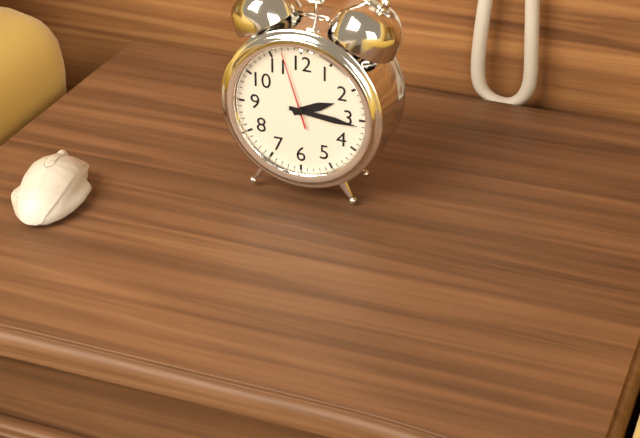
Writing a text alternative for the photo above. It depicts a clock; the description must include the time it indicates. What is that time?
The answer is 2:16:57
